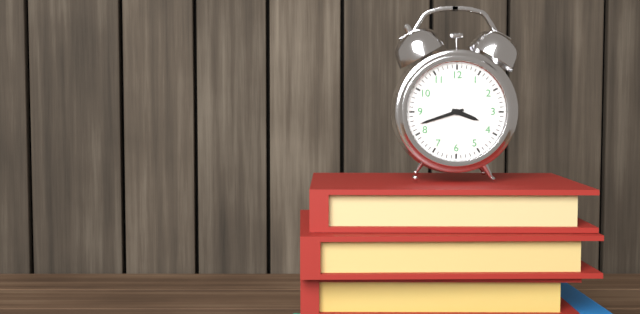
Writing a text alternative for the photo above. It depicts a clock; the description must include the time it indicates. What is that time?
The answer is 3:42
